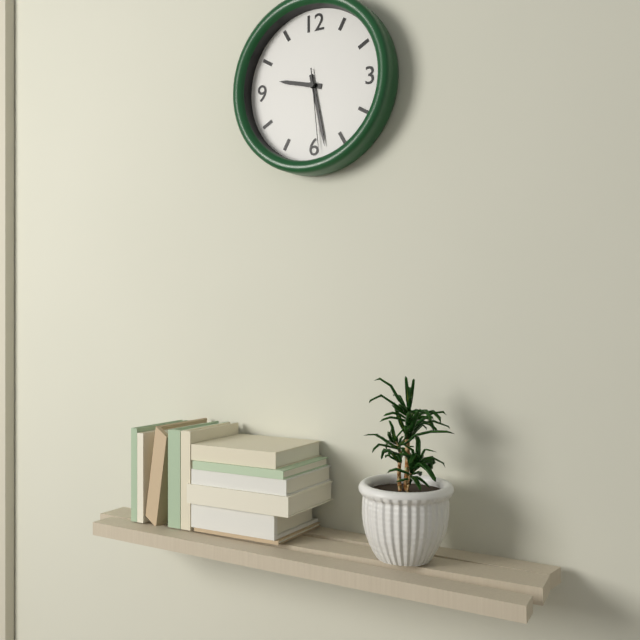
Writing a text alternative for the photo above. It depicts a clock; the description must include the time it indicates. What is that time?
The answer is 9:28:29
